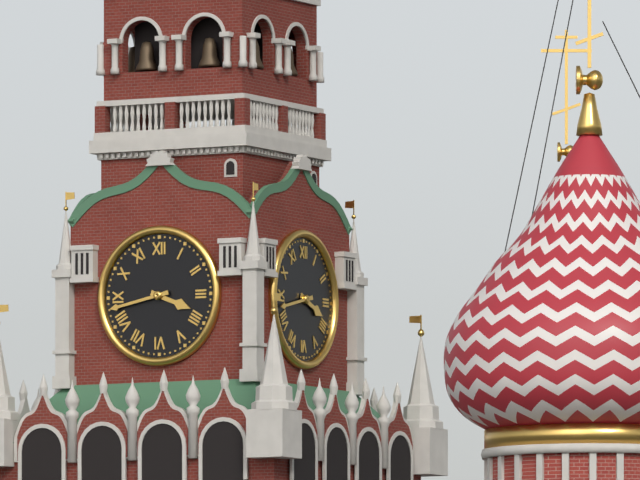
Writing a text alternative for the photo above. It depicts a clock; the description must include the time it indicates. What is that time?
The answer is 3:43
